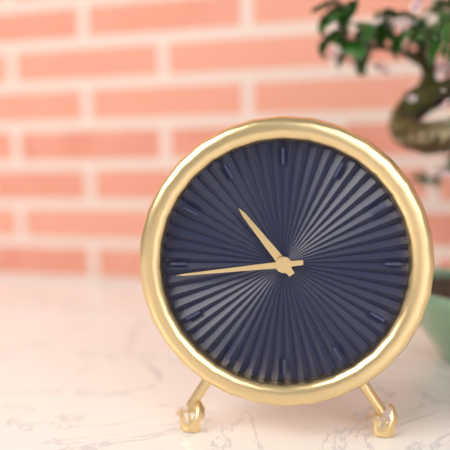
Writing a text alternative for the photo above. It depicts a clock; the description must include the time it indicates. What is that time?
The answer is 10:44
